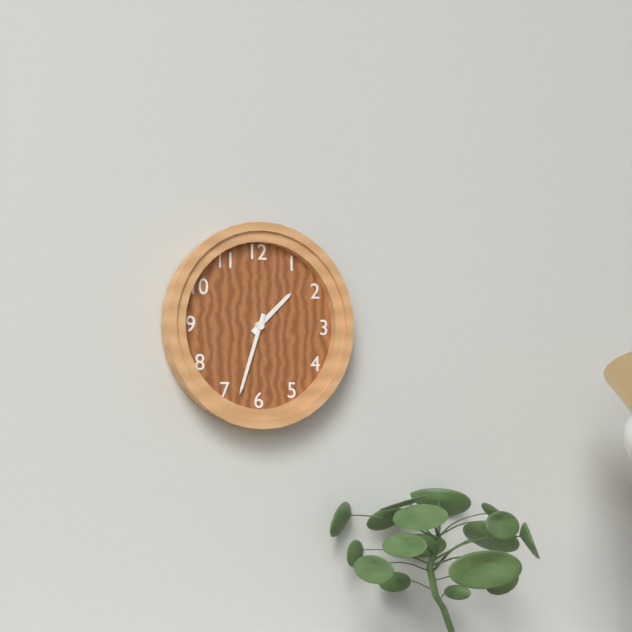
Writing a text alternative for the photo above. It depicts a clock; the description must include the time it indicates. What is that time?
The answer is 1:33
